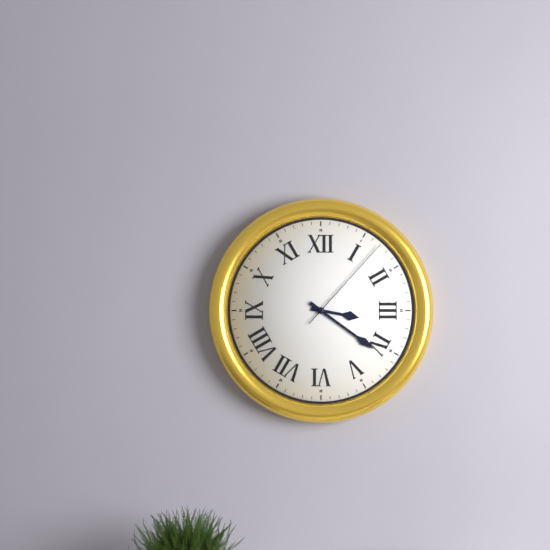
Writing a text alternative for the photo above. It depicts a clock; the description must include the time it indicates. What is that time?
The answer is 3:21:07
